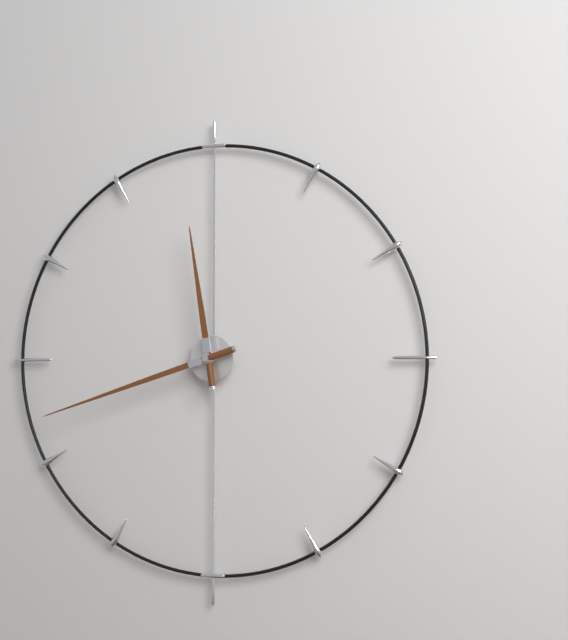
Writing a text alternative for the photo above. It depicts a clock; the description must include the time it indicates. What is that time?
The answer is 11:42
